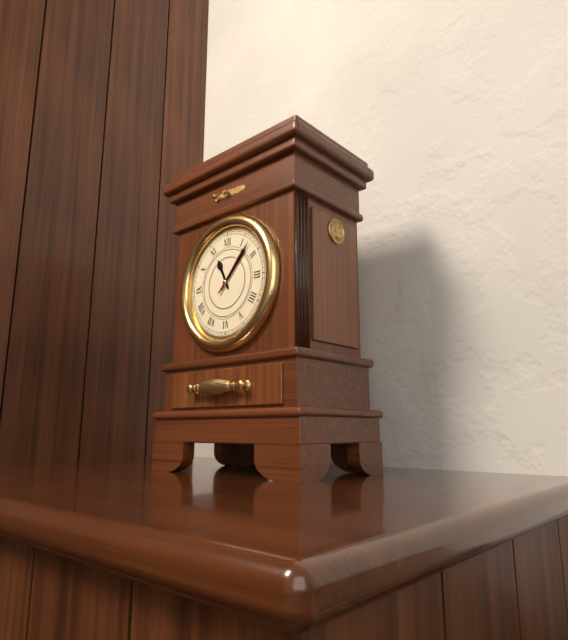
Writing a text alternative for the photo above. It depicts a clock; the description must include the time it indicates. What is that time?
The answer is 11:07:07
